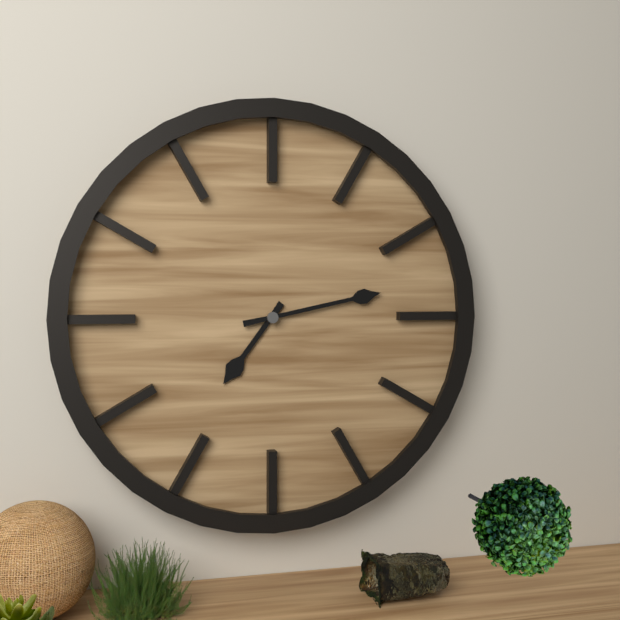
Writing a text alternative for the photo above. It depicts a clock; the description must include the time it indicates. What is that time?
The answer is 7:13
